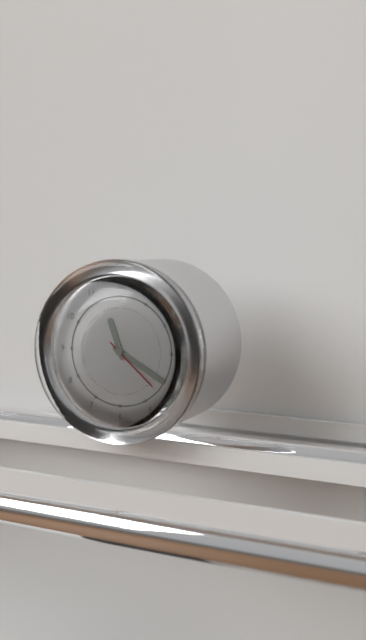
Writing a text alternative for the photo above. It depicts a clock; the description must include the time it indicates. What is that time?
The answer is 11:20:22
